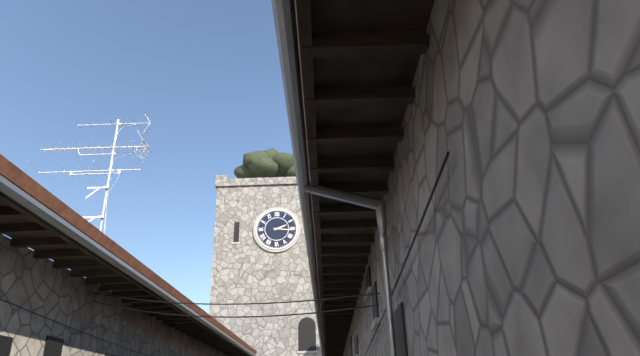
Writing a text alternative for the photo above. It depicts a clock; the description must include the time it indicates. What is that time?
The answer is 2:16
